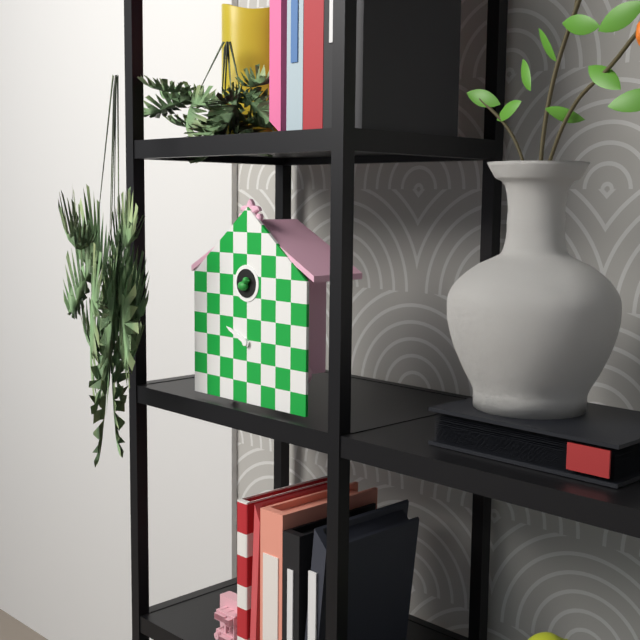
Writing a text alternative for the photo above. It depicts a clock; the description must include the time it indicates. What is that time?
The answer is 9:49
